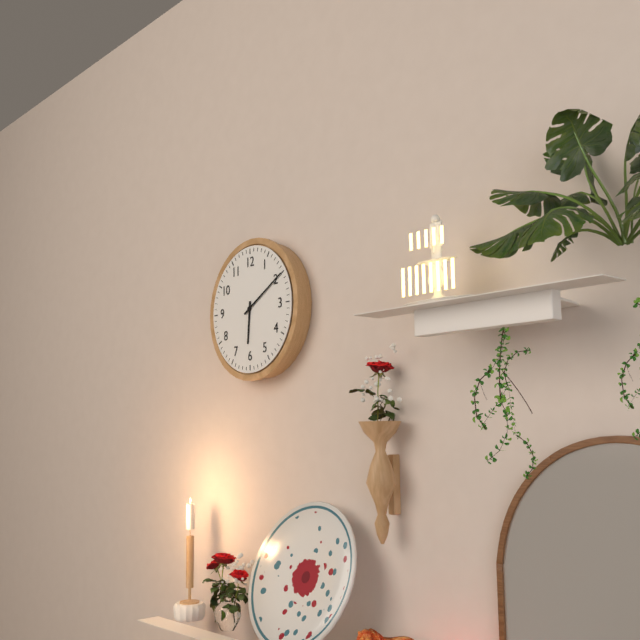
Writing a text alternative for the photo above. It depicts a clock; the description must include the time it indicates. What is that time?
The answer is 6:10
